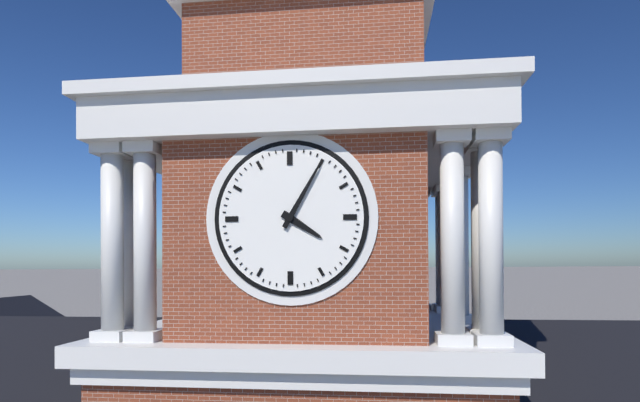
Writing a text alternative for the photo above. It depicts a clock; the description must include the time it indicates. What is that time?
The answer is 4:05
